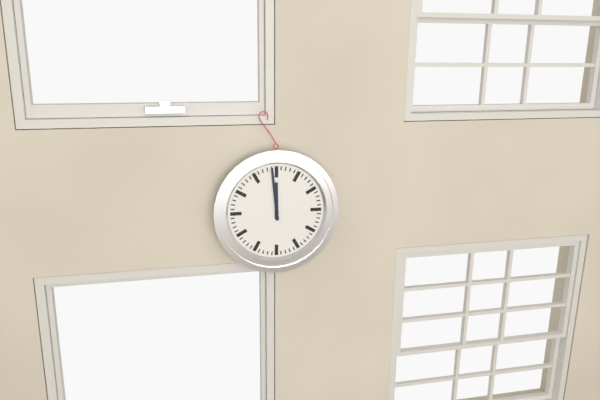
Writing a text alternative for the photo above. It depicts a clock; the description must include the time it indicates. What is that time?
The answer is 11:59
